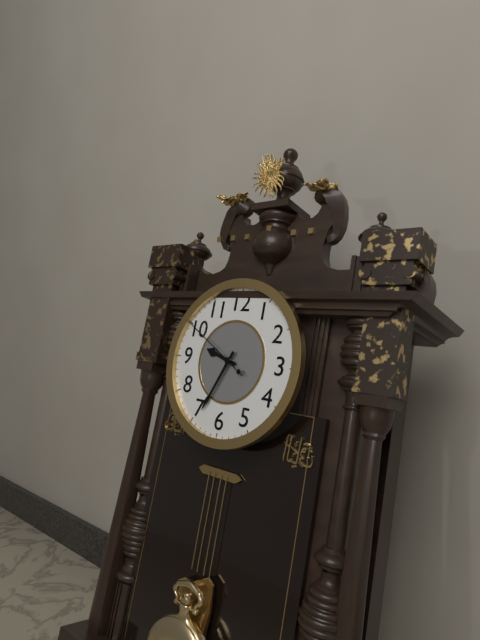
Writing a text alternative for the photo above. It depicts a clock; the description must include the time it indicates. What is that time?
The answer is 9:34:50
